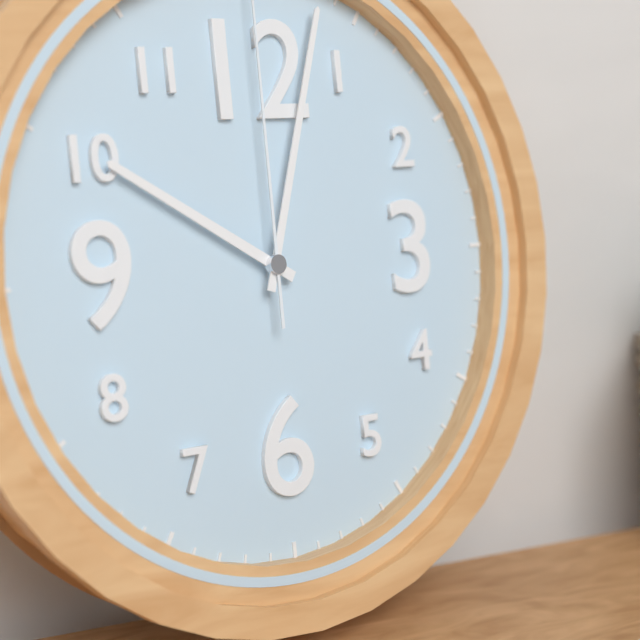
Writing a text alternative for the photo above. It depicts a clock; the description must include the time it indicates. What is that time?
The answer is 10:03
